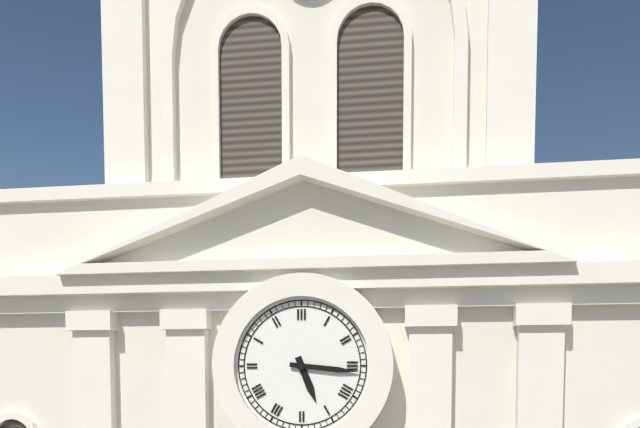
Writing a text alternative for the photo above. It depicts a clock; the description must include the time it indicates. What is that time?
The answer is 5:16
